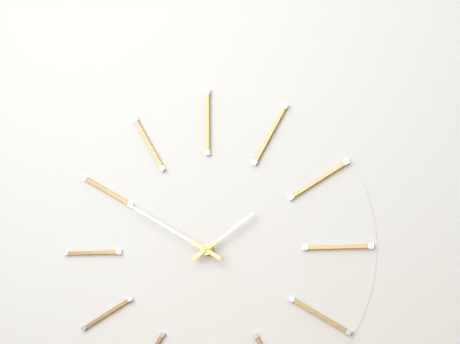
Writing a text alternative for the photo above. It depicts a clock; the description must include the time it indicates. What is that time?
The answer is 1:50
